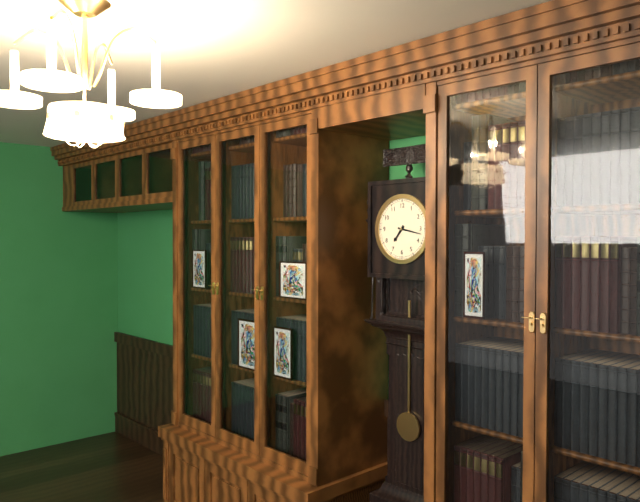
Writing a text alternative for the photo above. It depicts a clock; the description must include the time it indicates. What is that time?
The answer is 7:17
